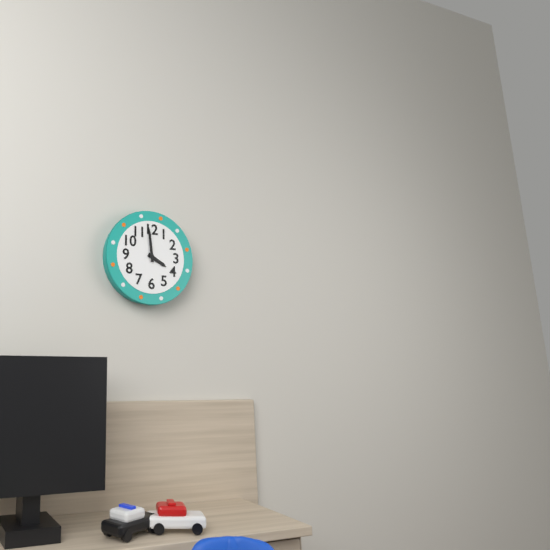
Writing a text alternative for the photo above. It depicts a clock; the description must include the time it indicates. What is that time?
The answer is 3:59
